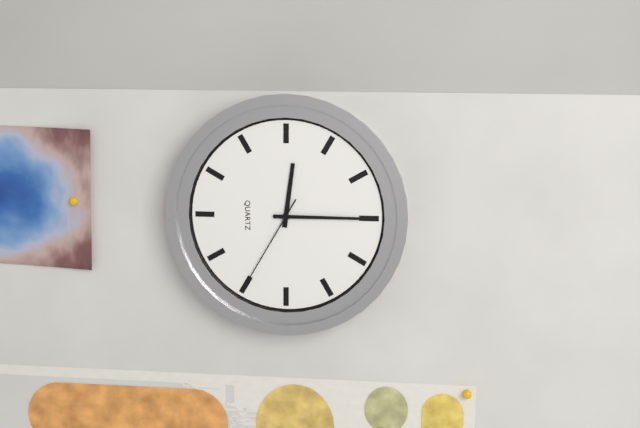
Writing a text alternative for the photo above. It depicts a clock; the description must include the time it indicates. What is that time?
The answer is 12:15:35
